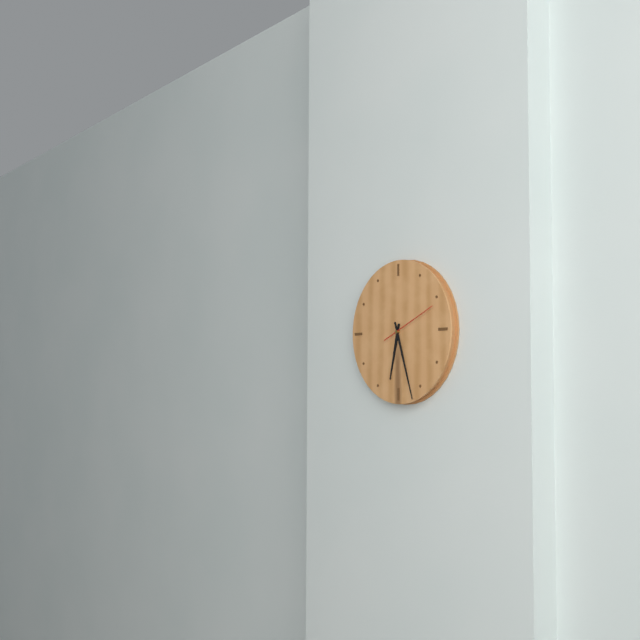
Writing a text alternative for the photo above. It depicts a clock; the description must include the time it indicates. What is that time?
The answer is 6:27:11
